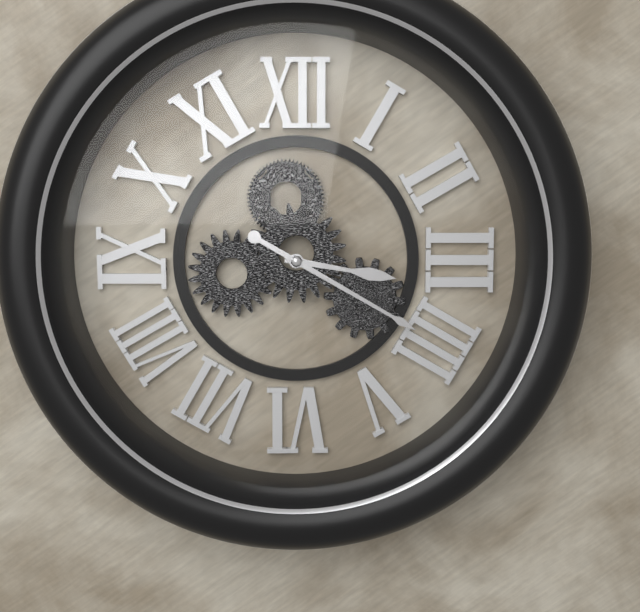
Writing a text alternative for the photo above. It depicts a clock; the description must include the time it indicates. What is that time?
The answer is 3:20
